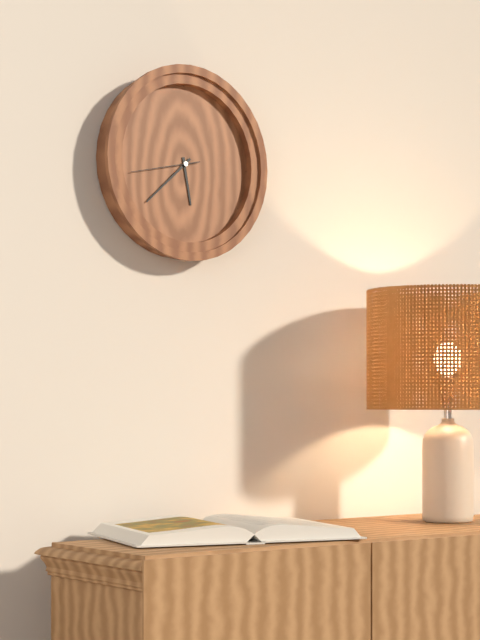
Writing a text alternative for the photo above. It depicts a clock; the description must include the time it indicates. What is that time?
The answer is 5:38:43
